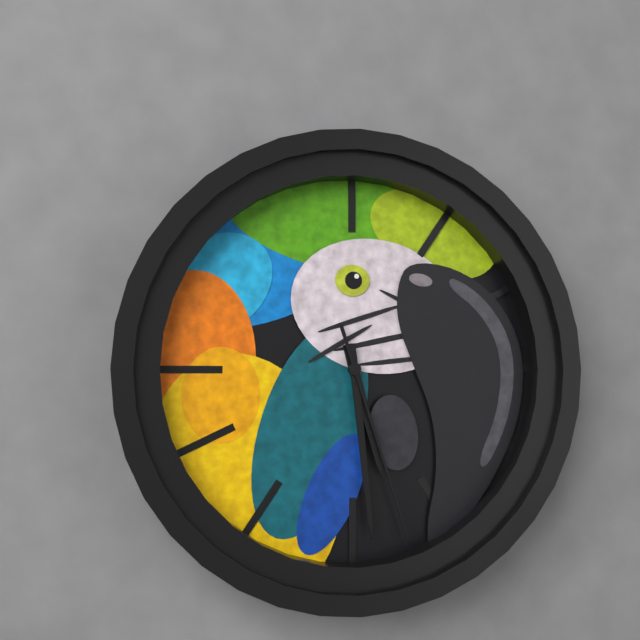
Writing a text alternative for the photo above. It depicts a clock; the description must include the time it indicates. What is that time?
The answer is 5:29:27
